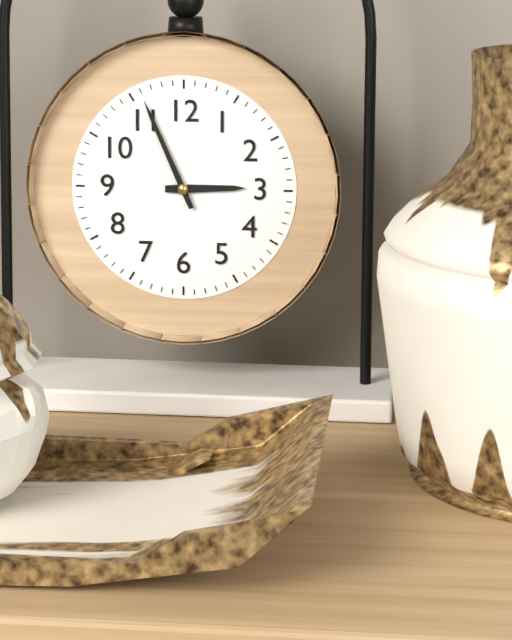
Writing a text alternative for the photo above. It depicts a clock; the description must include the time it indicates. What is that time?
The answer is 2:56
